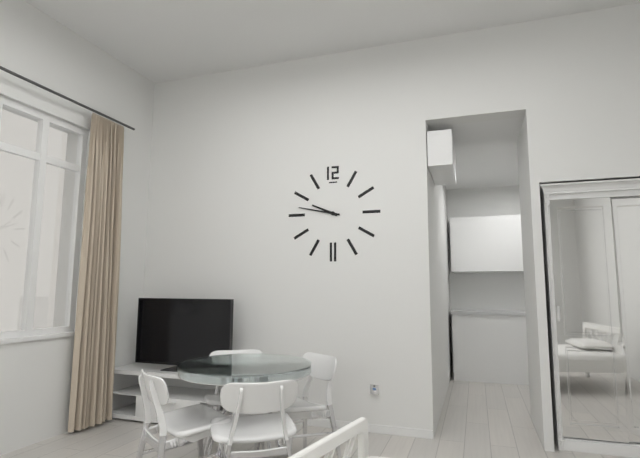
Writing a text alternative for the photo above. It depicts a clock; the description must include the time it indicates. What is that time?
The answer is 9:47
